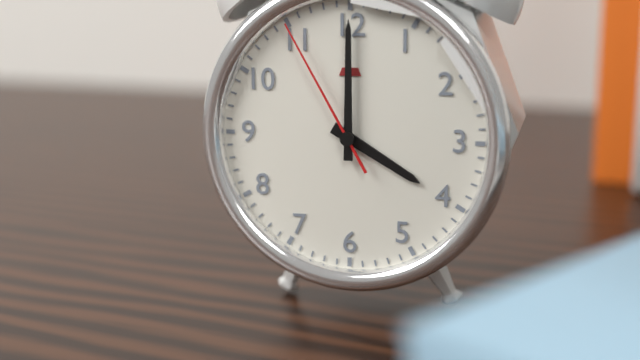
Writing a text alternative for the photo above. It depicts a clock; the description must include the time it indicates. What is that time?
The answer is 4:00:55
